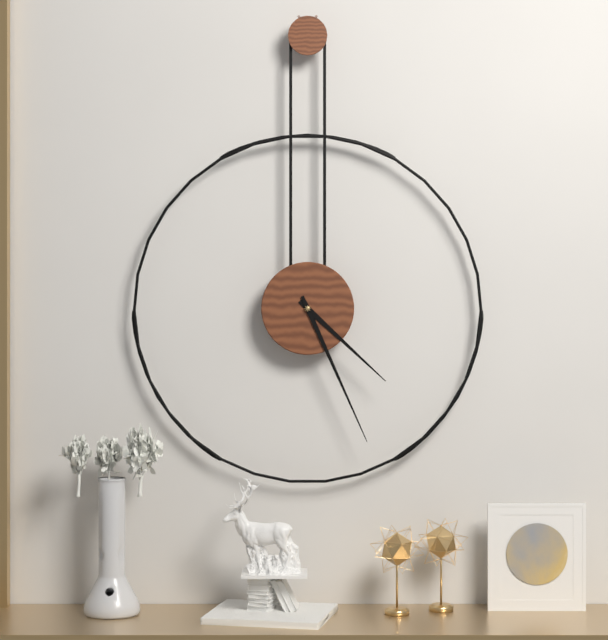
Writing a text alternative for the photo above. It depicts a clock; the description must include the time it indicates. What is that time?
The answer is 4:26
